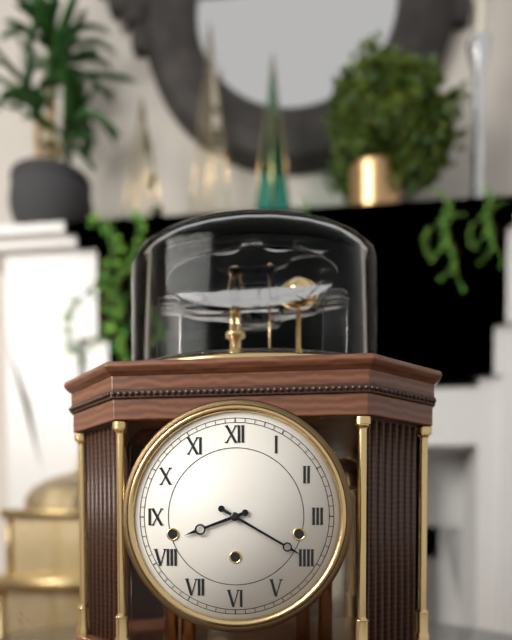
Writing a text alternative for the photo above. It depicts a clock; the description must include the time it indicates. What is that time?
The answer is 8:20
